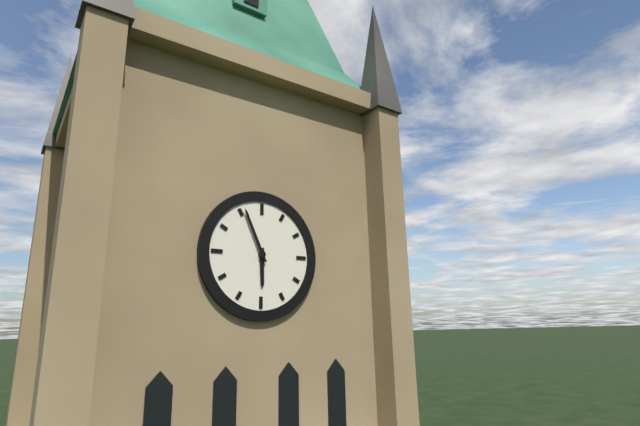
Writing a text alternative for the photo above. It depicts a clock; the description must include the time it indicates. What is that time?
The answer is 5:56
